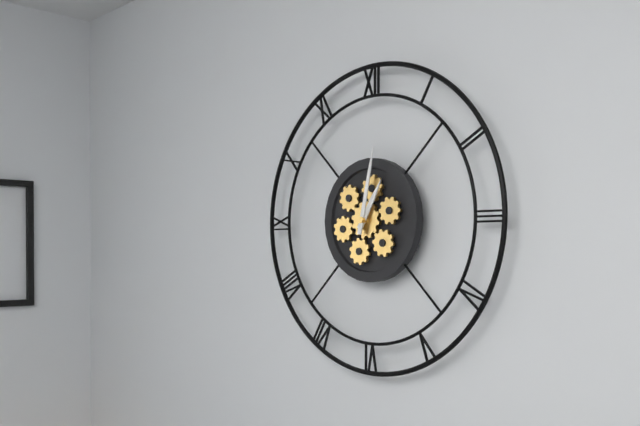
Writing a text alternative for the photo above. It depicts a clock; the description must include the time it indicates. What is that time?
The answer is 1:02
